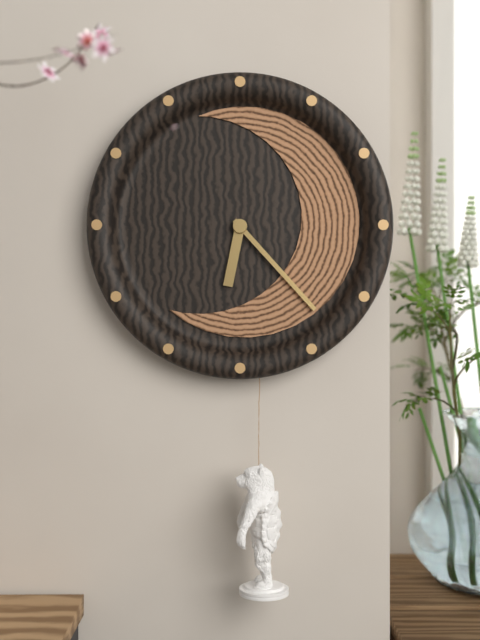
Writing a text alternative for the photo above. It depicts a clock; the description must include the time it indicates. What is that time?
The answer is 6:23
